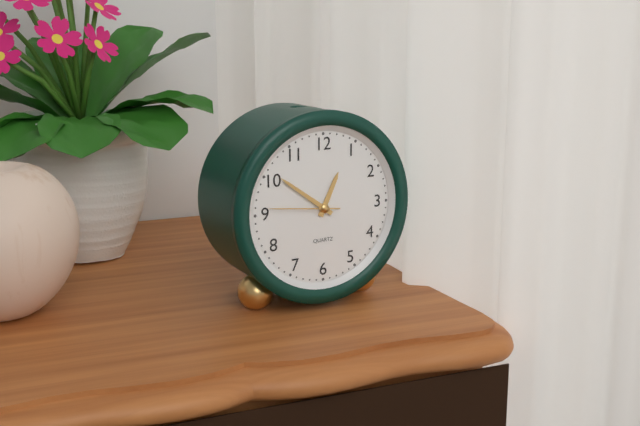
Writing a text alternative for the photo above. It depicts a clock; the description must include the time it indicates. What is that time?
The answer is 12:51:46
